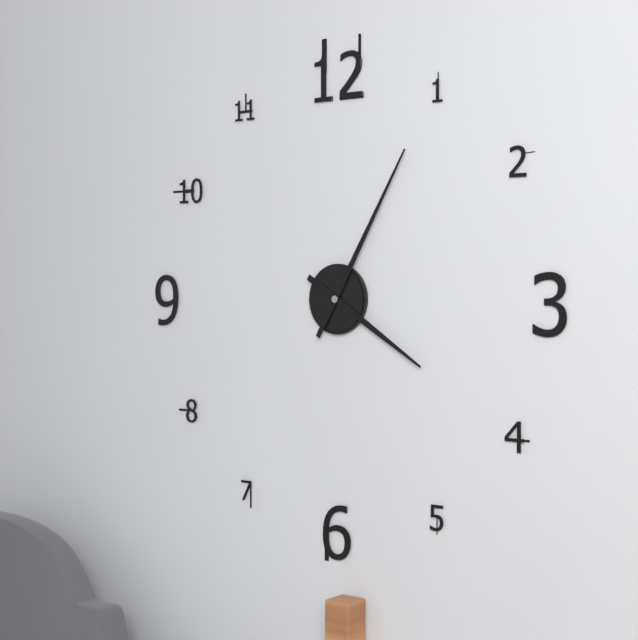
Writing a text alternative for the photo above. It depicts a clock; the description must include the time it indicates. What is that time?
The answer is 4:05
